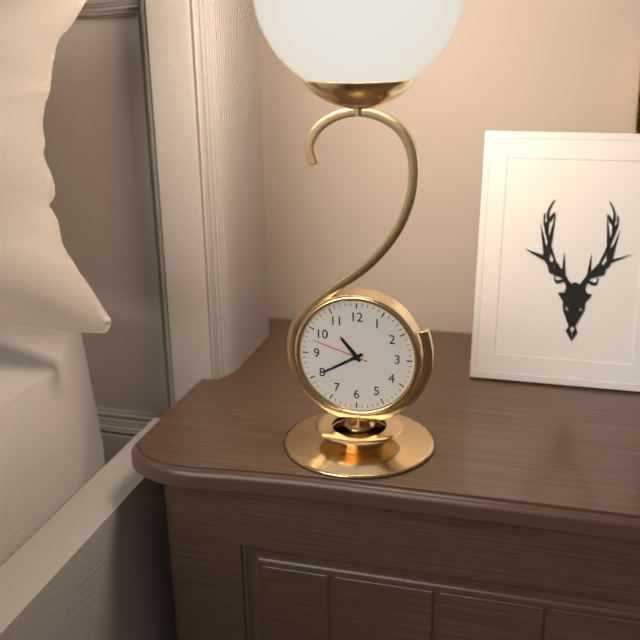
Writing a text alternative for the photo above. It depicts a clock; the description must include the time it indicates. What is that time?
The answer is 10:40:48
